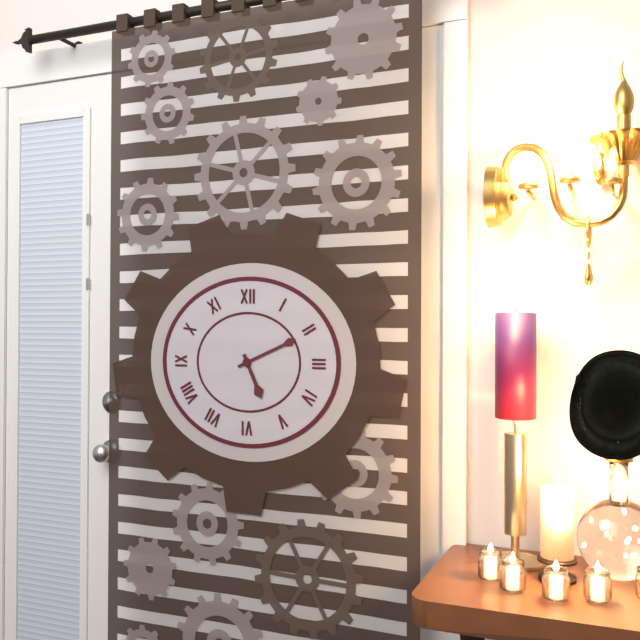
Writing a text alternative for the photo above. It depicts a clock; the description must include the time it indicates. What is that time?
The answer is 5:11
